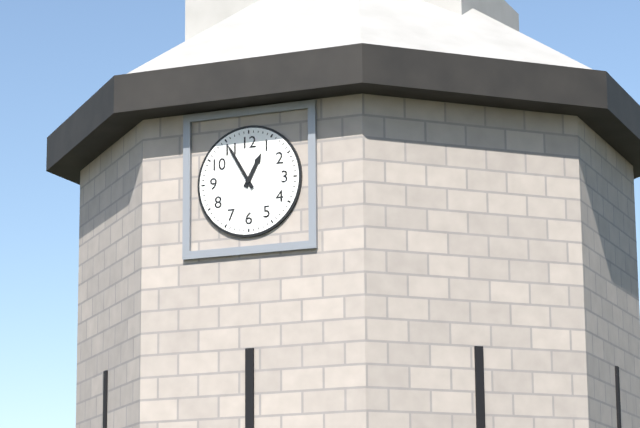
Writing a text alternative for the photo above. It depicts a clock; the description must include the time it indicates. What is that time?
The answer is 12:55
